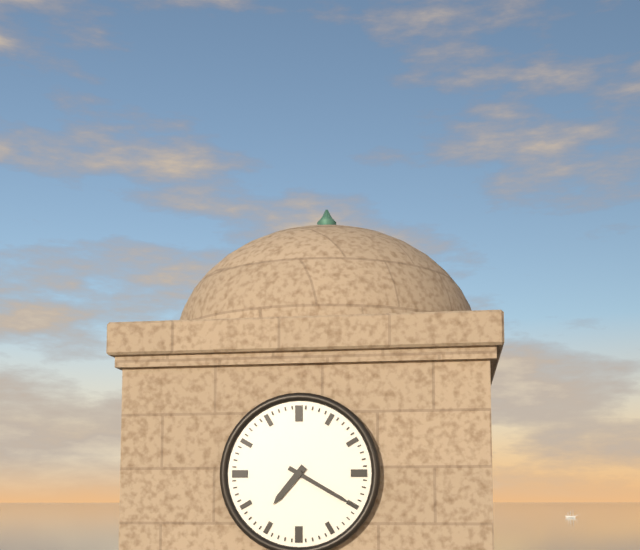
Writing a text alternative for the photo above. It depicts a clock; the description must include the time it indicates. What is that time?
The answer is 7:20
